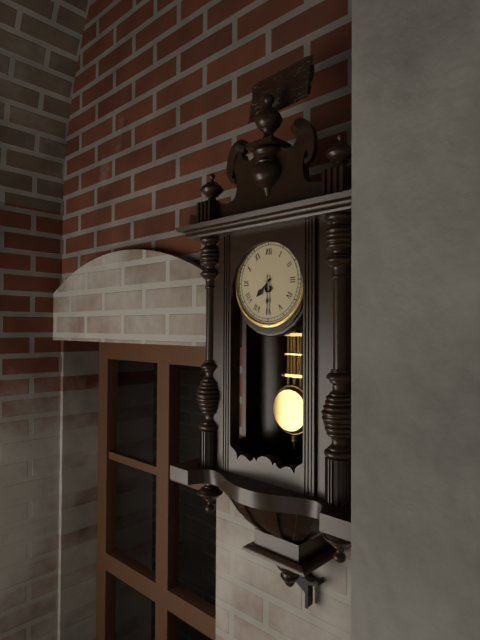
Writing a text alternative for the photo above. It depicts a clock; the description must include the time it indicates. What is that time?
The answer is 7:30
